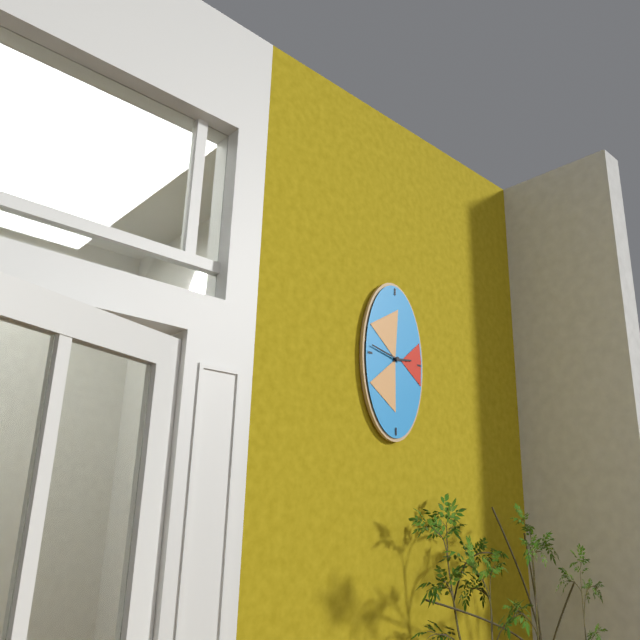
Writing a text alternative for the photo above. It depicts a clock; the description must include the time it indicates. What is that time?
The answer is 2:47
